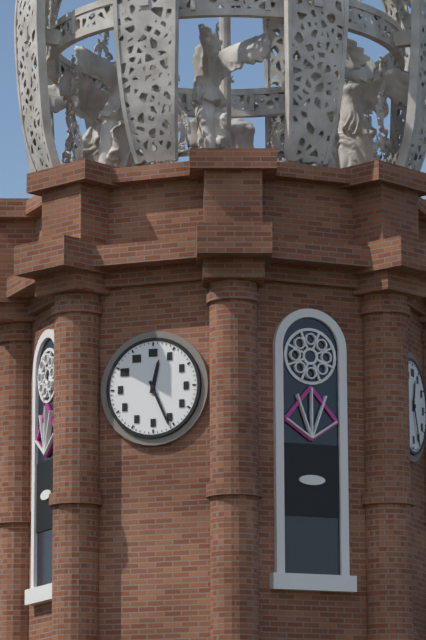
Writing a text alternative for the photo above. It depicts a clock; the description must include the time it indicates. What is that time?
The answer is 12:26
